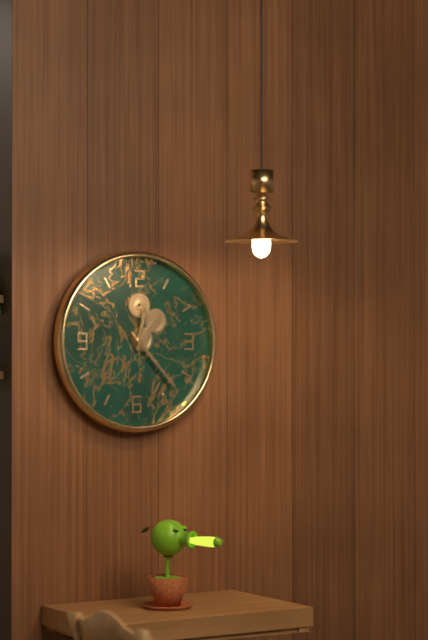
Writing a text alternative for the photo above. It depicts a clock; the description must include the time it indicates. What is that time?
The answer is 12:23
